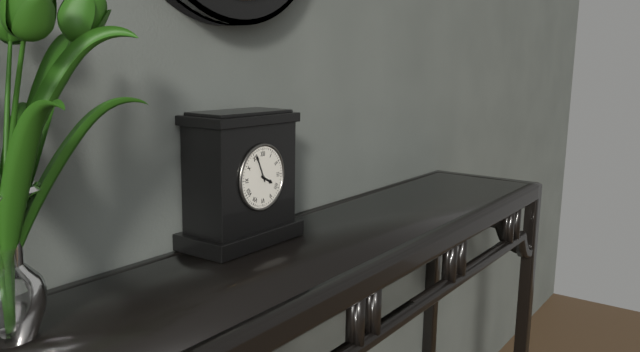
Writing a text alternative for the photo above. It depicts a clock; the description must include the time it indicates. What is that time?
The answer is 3:56
